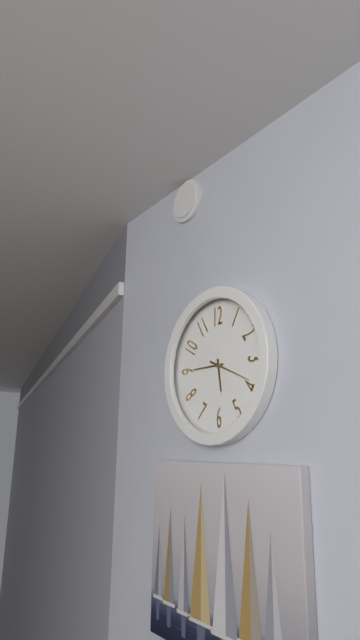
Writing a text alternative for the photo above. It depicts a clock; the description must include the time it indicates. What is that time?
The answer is 5:45
